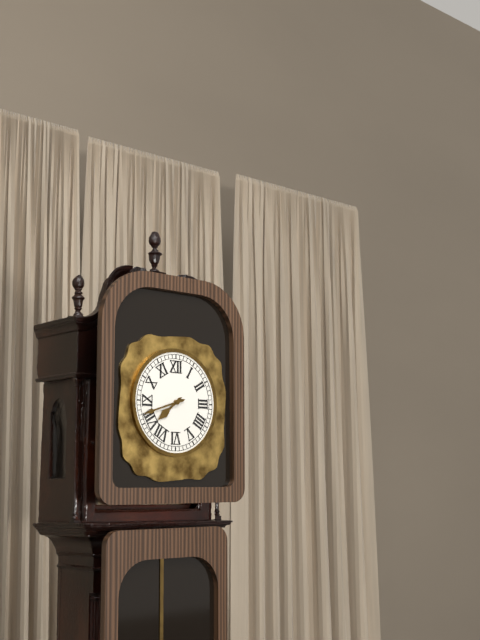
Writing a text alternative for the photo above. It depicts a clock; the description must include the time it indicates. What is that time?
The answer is 7:42
